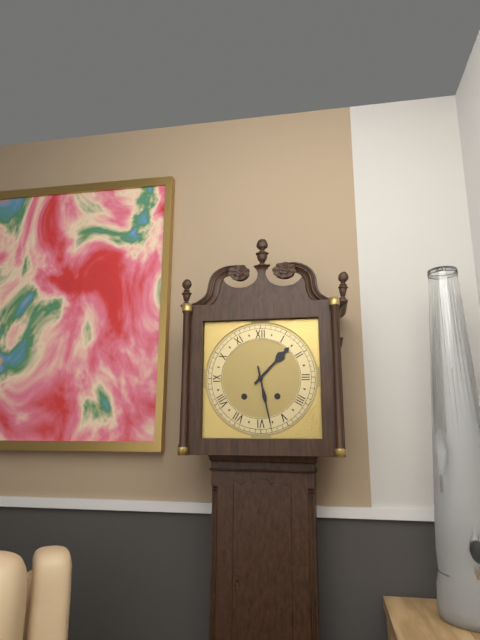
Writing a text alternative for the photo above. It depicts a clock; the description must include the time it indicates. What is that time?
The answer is 1:28
